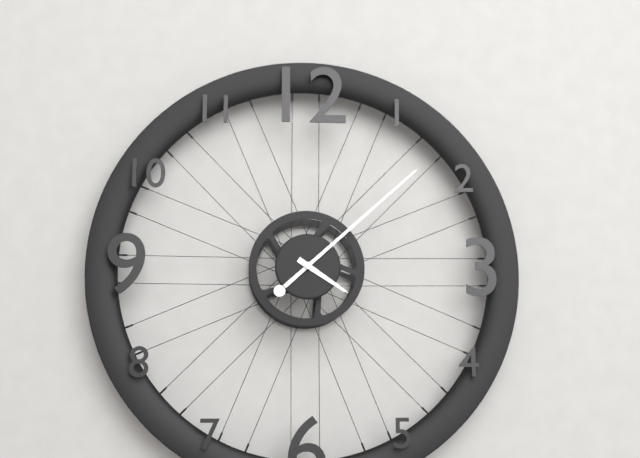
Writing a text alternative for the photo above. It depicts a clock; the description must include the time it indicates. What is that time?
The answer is 4:08
